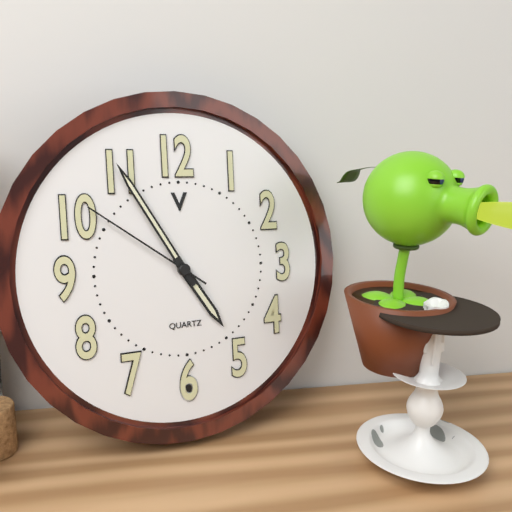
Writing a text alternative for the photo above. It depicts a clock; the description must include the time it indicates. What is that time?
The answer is 4:55:51
